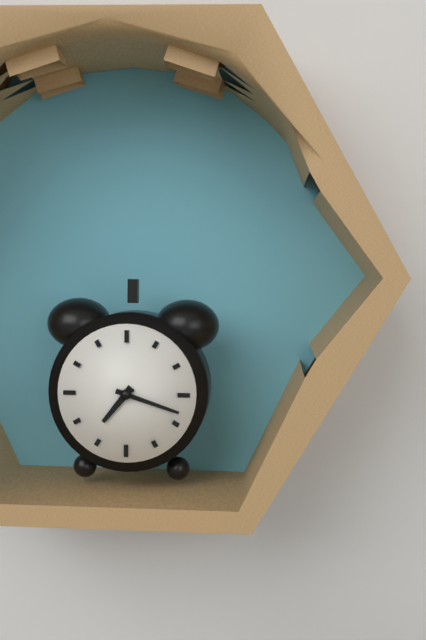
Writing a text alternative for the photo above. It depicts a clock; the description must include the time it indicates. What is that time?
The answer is 7:18
